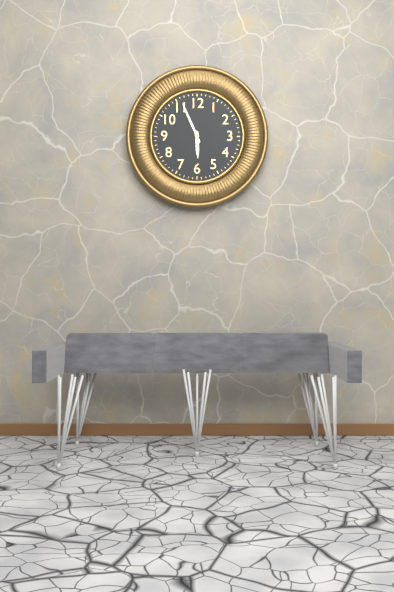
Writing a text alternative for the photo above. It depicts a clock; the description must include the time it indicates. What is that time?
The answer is 5:56
